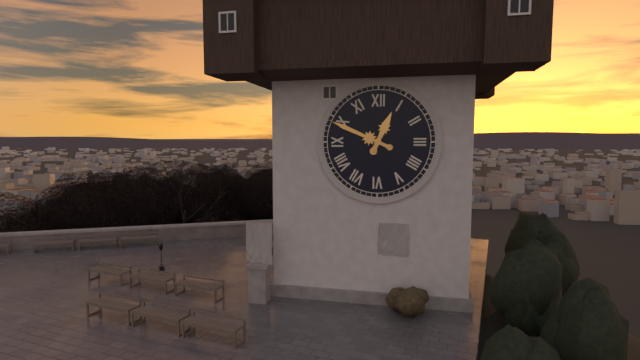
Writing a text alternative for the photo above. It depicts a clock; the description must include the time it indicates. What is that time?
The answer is 12:49
